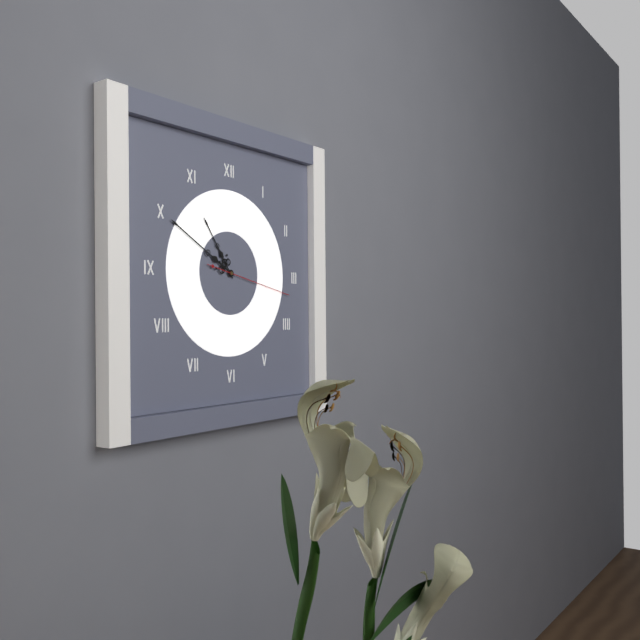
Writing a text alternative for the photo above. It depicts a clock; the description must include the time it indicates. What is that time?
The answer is 10:50:17
